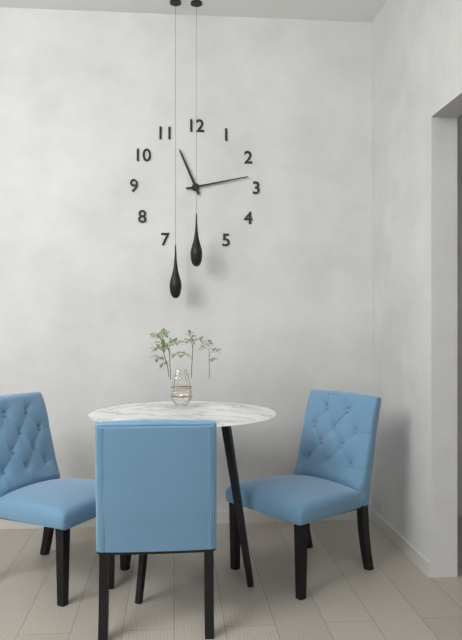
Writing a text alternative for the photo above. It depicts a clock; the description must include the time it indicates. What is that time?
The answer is 11:13
